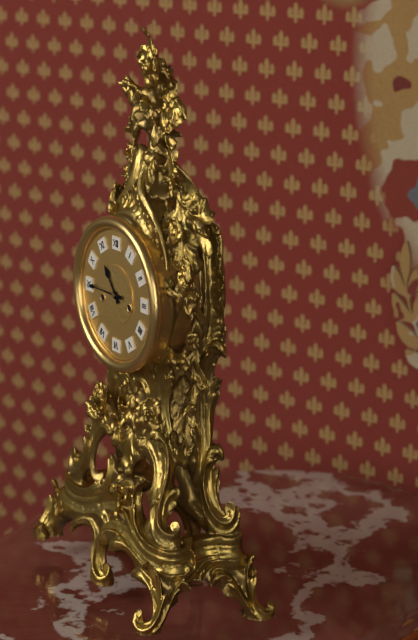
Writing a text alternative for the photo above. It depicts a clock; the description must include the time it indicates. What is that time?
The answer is 10:45
